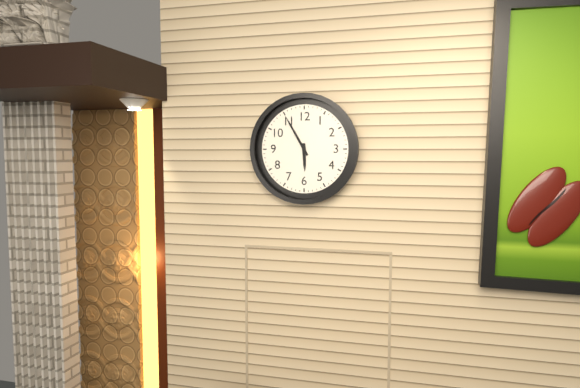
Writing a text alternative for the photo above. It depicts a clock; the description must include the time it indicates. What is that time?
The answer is 5:55
